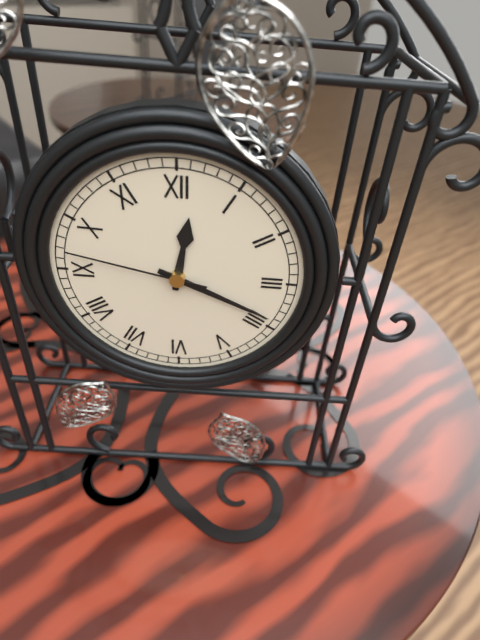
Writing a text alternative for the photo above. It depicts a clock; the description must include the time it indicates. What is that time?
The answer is 12:19:47
